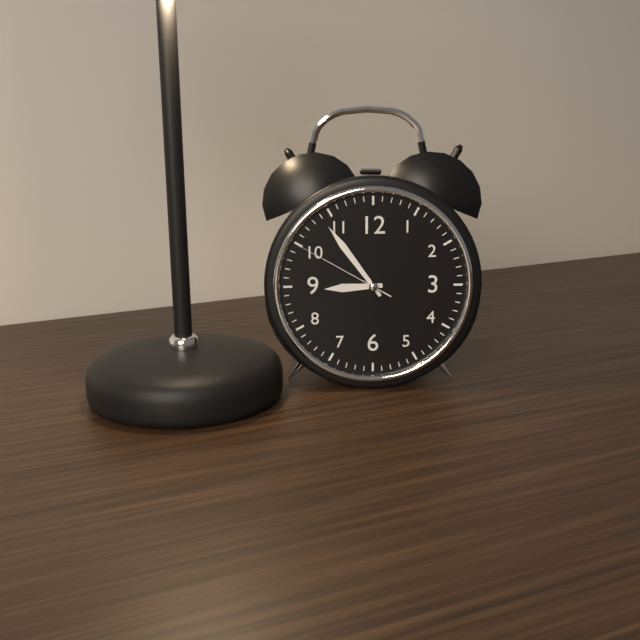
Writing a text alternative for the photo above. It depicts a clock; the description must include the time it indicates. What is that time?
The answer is 8:54:50
